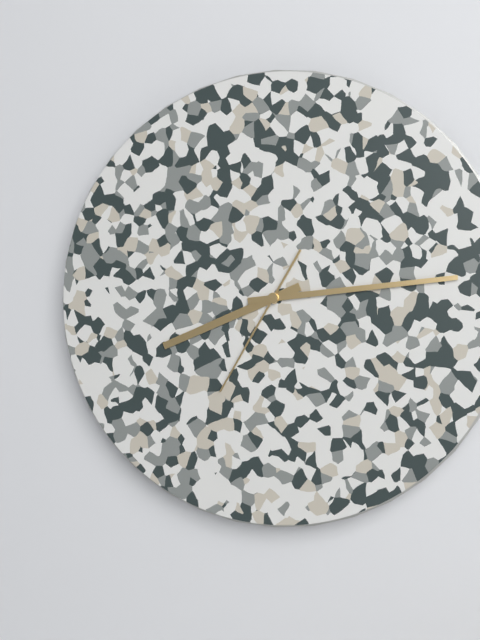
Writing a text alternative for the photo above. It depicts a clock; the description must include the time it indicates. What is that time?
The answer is 8:14:35
